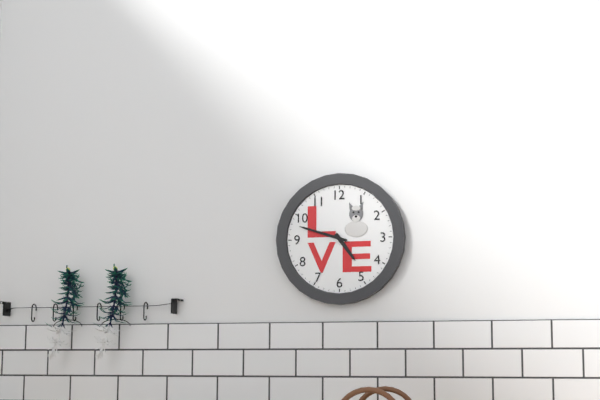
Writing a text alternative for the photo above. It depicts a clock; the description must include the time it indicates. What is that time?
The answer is 4:48
